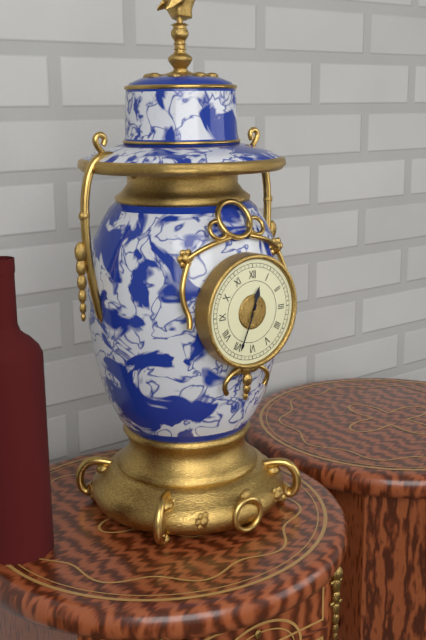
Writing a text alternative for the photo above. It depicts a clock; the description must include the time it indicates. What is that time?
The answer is 12:34
